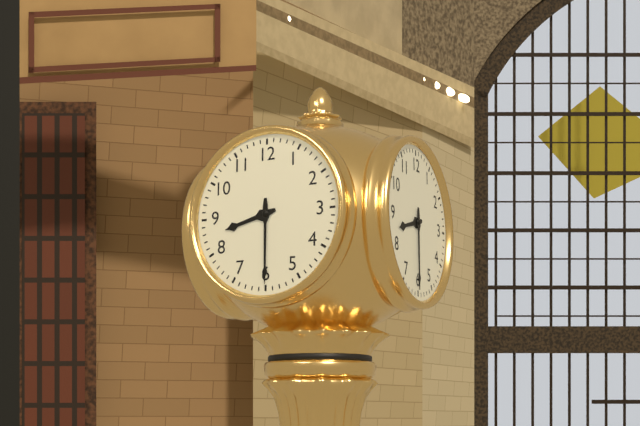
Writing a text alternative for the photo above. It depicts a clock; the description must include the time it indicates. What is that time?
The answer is 8:30
